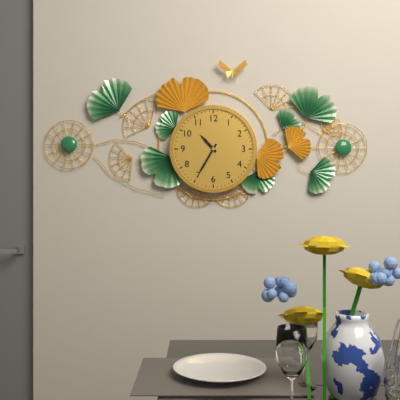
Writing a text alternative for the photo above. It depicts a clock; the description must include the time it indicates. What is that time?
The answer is 10:35
